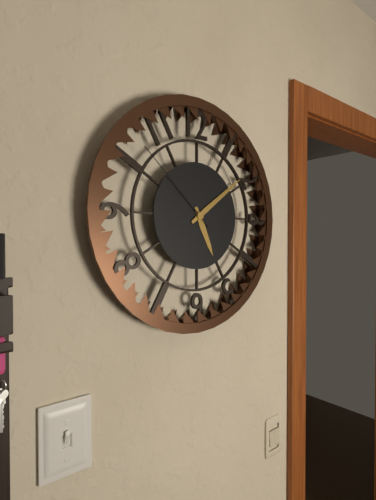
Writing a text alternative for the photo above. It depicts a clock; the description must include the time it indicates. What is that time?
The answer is 5:09:52
